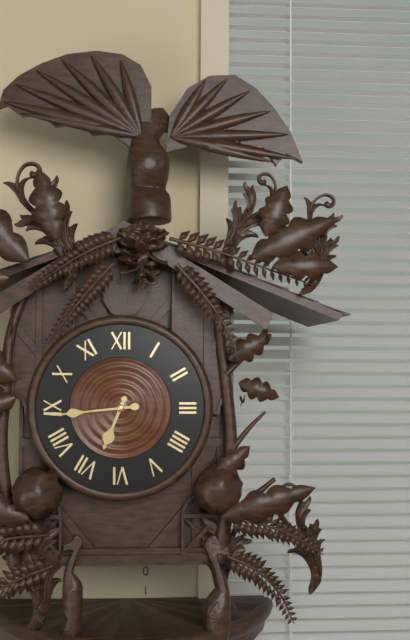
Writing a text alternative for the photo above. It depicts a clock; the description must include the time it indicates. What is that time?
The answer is 6:44
